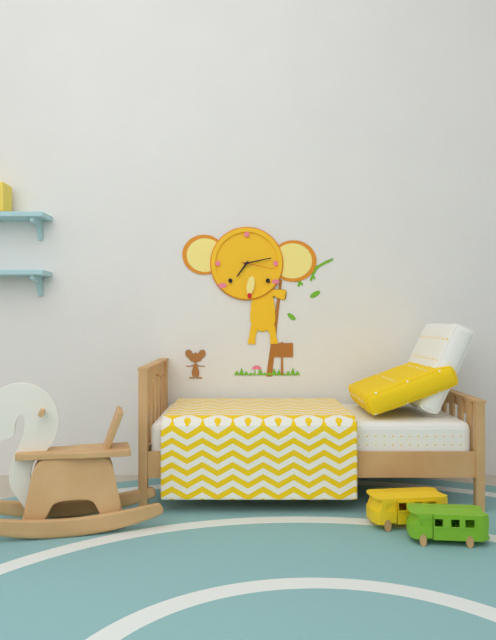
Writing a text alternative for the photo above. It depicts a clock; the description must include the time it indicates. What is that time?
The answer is 7:13
